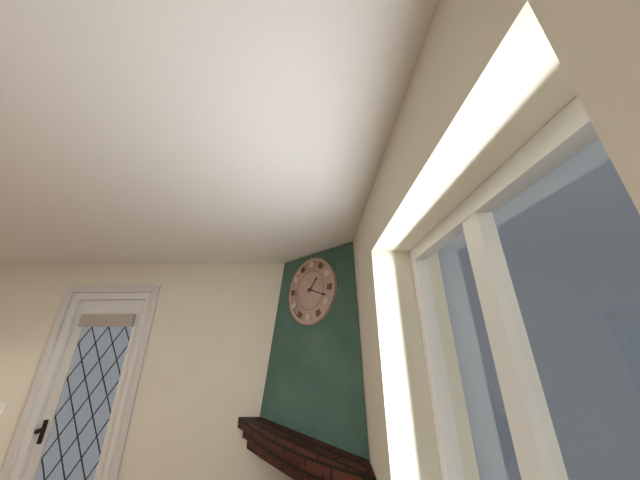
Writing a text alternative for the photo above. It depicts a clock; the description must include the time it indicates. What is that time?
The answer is 1:18
